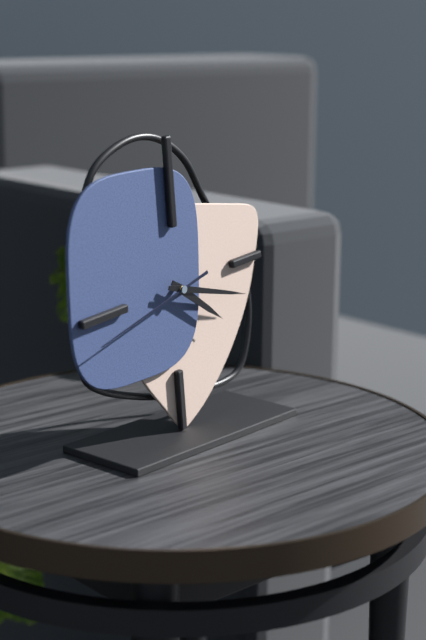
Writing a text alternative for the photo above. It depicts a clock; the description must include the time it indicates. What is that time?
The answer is 4:18:43
